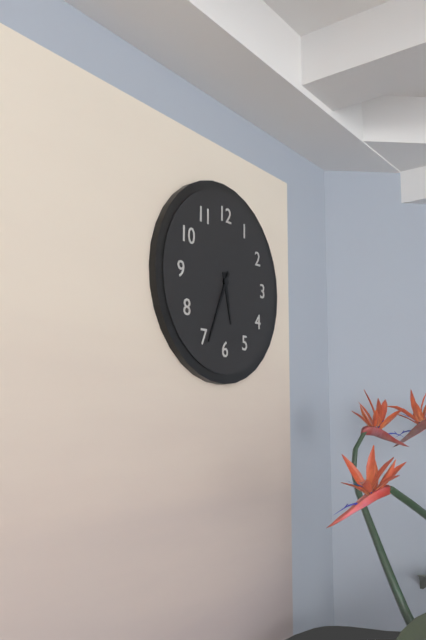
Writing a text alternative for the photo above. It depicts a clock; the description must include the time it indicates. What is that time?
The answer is 5:34
